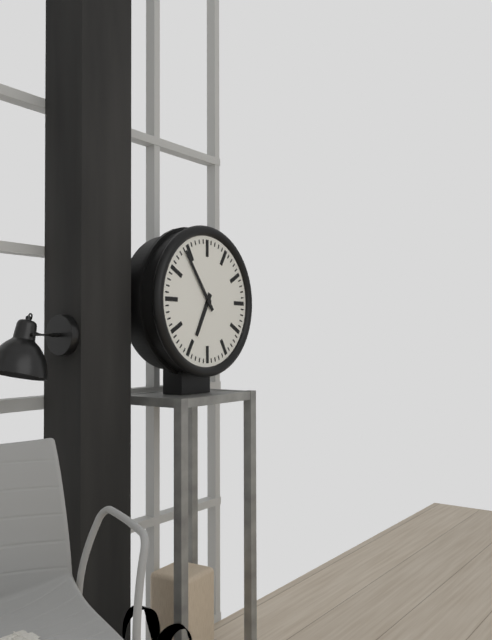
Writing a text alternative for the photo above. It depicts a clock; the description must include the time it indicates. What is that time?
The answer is 6:54
